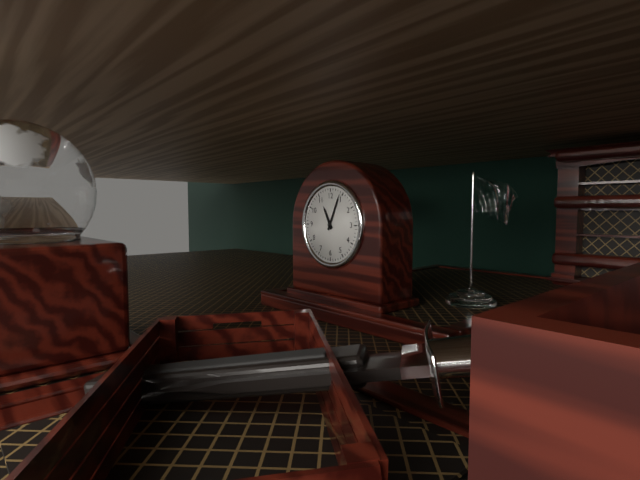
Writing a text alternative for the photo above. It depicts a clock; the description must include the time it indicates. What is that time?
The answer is 11:04
